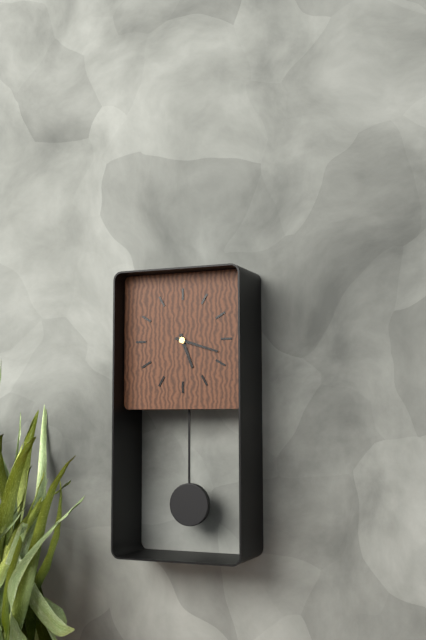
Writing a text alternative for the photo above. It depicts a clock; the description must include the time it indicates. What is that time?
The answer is 5:18
